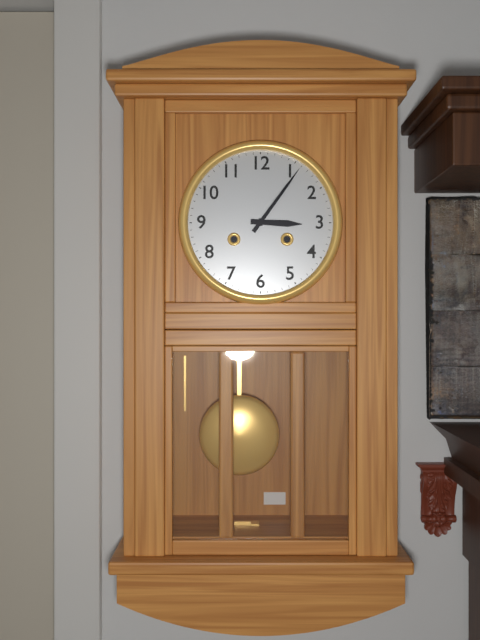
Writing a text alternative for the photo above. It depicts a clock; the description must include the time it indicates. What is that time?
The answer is 3:06
